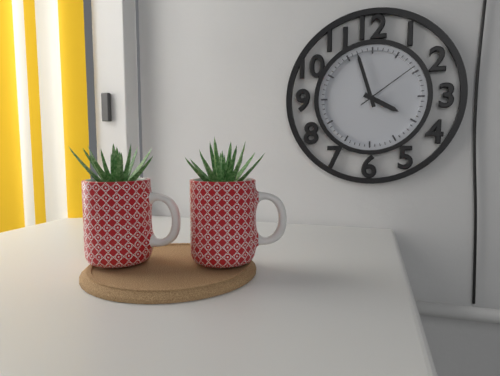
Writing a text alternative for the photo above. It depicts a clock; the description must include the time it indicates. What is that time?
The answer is 3:57:09
